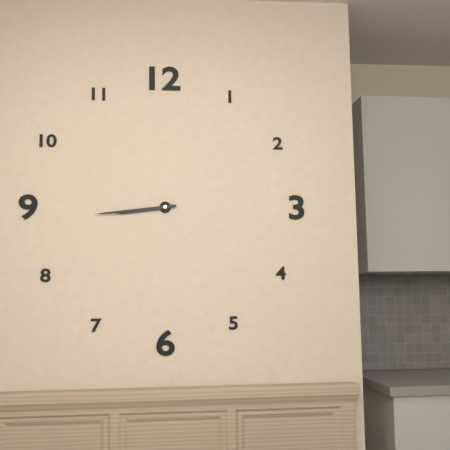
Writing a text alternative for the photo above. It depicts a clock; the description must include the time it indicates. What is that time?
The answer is 8:44
